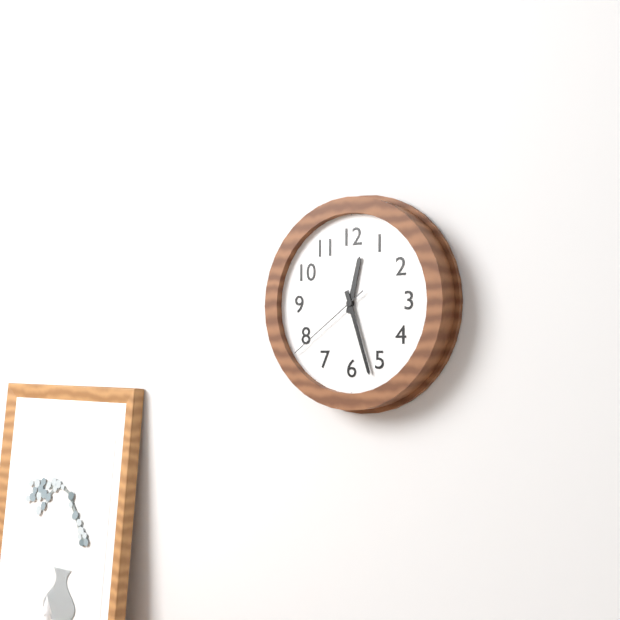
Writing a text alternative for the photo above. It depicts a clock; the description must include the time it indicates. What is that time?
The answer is 12:27:39
